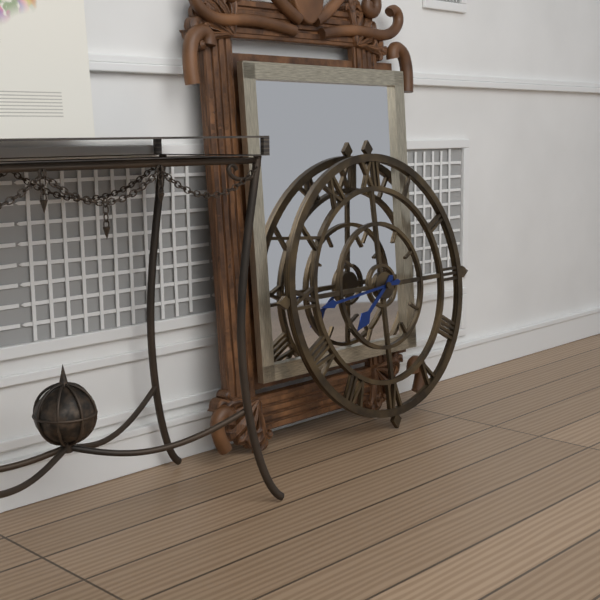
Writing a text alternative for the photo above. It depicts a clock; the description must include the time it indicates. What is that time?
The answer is 7:44
